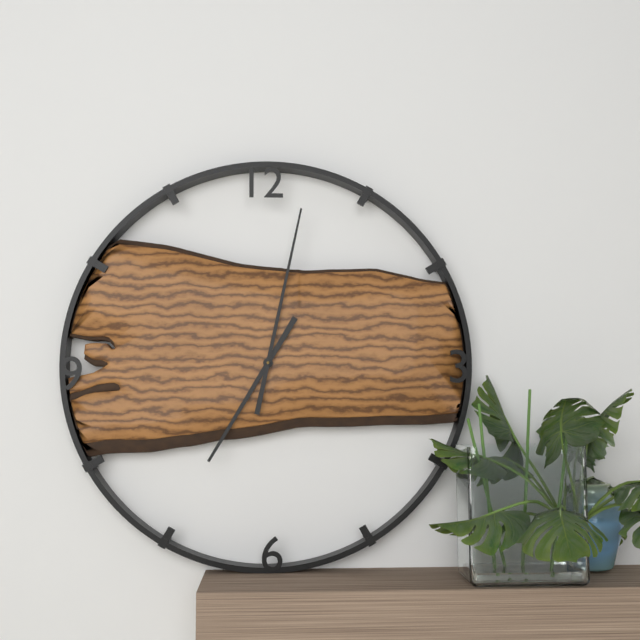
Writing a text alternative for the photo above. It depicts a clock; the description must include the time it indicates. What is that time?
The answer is 7:02
